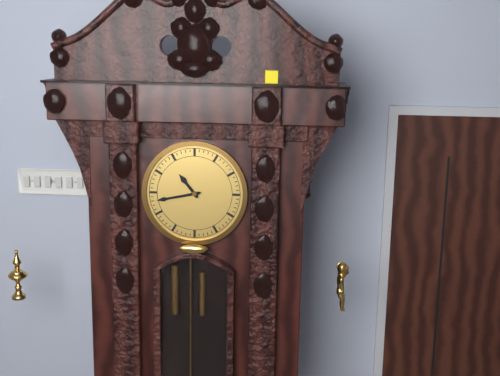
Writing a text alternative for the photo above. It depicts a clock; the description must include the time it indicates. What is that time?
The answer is 10:43
